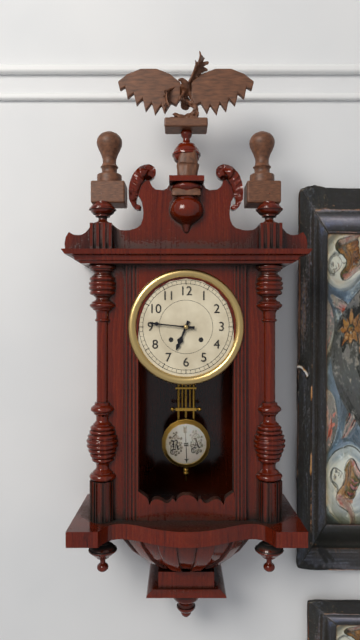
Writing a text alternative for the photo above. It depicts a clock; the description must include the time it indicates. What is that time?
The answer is 6:46
